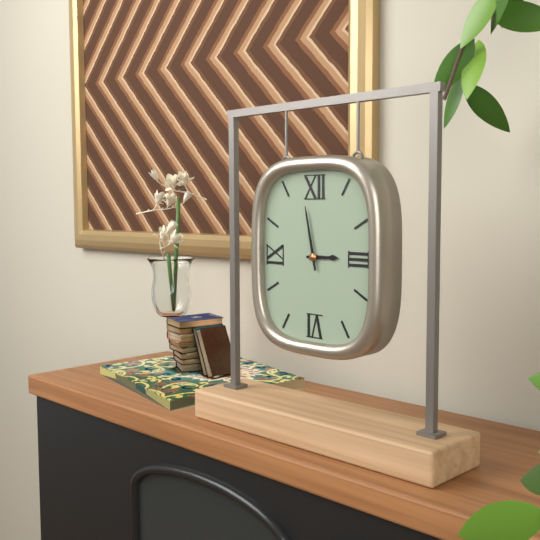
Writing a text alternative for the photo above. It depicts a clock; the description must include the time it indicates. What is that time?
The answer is 2:58
